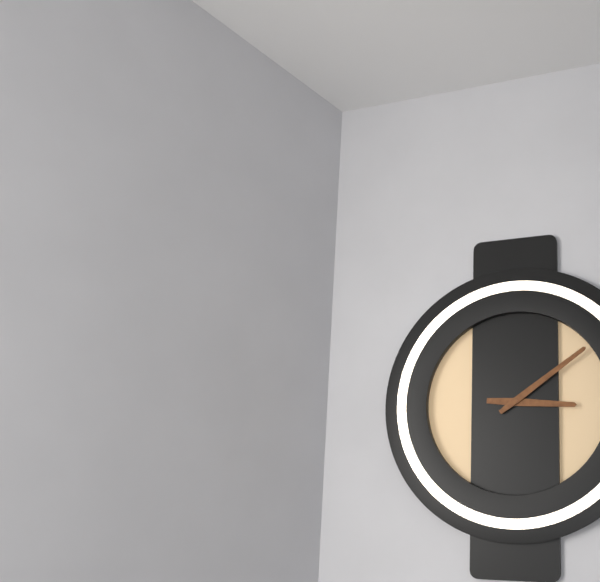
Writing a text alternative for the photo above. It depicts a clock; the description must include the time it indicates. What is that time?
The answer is 3:09
